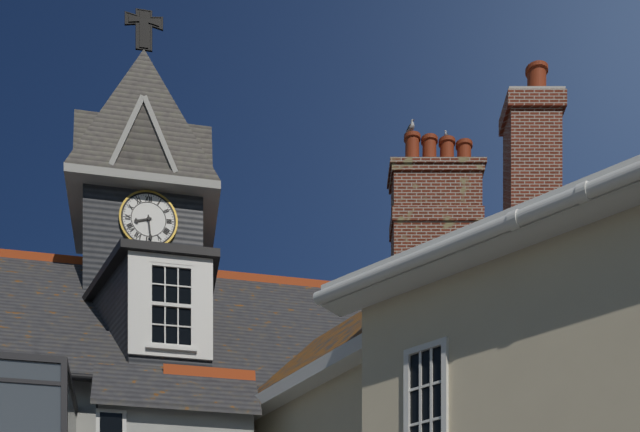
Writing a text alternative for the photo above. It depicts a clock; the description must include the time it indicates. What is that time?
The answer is 8:29
